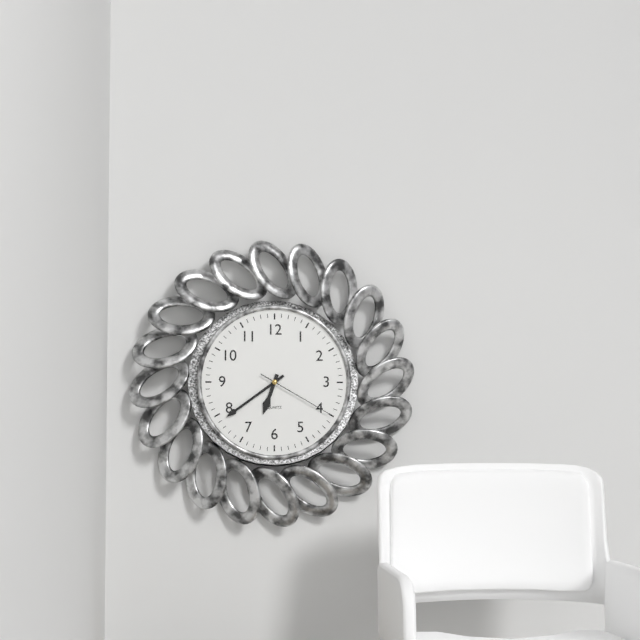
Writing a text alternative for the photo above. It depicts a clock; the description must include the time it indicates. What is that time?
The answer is 6:39:20
